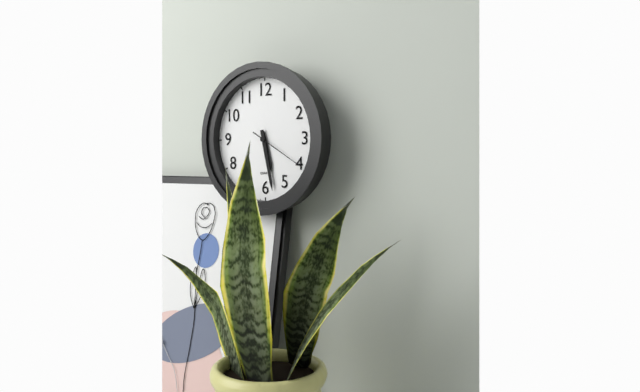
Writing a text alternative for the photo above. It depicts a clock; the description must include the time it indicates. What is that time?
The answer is 5:28:20
